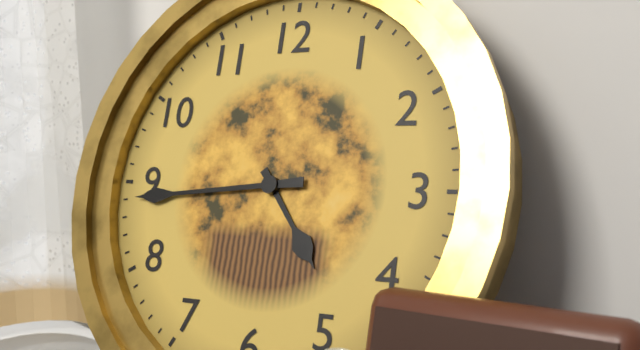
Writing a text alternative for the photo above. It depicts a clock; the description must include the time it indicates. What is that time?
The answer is 4:44
